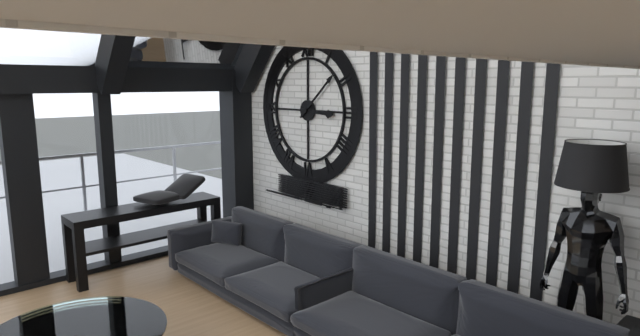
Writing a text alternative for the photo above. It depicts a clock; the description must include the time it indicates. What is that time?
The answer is 3:08
